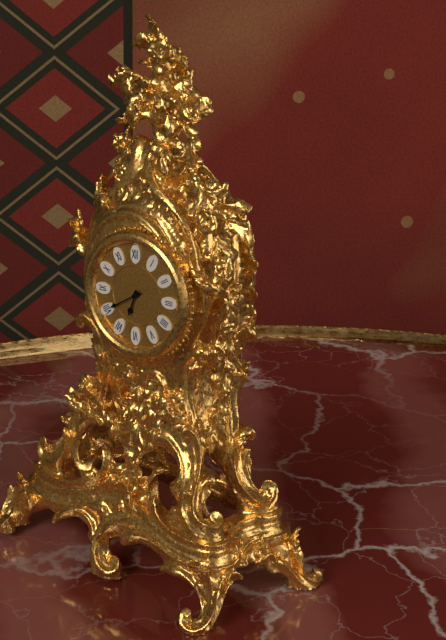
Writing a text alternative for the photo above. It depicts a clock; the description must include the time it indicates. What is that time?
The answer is 6:40
